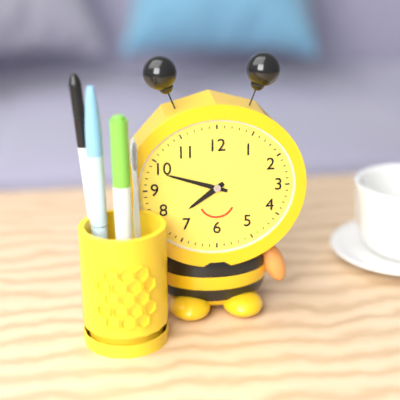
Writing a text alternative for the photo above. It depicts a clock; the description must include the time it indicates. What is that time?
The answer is 7:48
